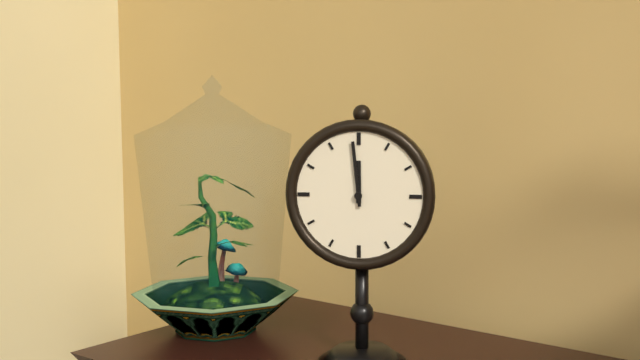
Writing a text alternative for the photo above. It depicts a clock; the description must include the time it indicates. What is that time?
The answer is 11:59
